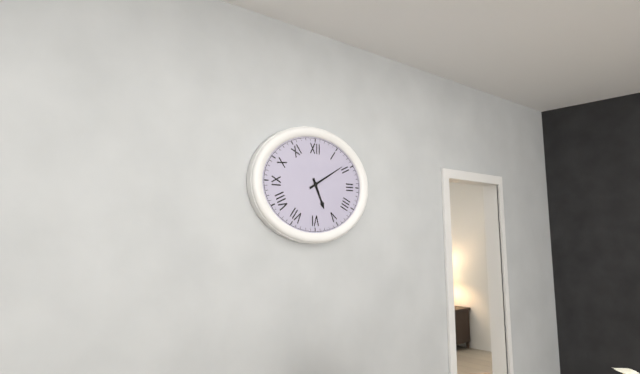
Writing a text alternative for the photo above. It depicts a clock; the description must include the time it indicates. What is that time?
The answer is 5:10
